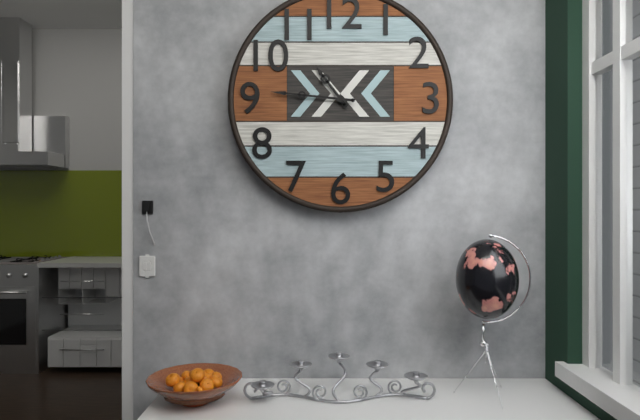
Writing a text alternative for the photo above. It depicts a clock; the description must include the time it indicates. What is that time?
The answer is 10:46
